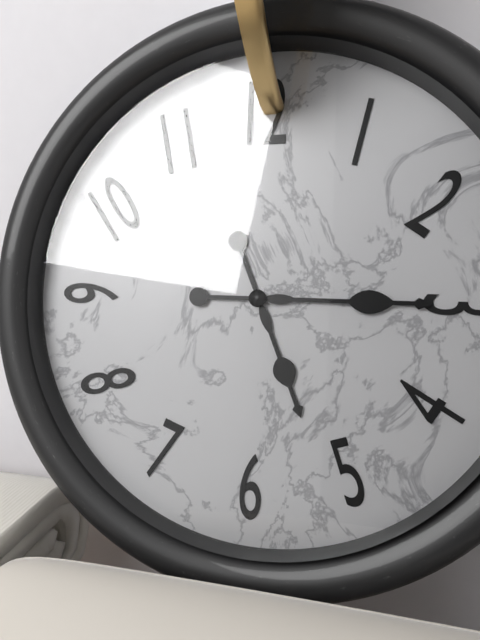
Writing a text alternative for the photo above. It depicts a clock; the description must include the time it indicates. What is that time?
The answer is 5:15
